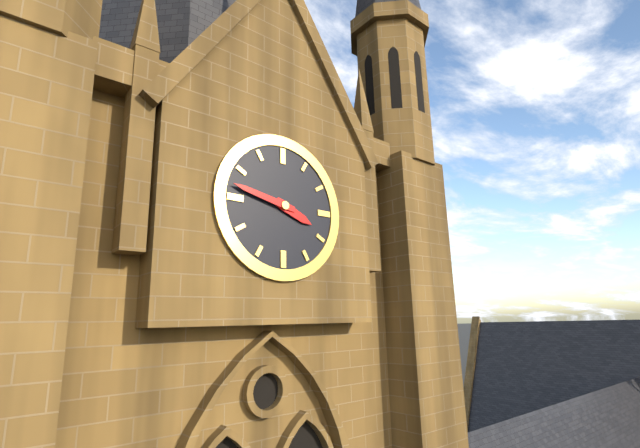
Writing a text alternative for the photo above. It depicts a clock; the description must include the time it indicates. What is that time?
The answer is 3:47
